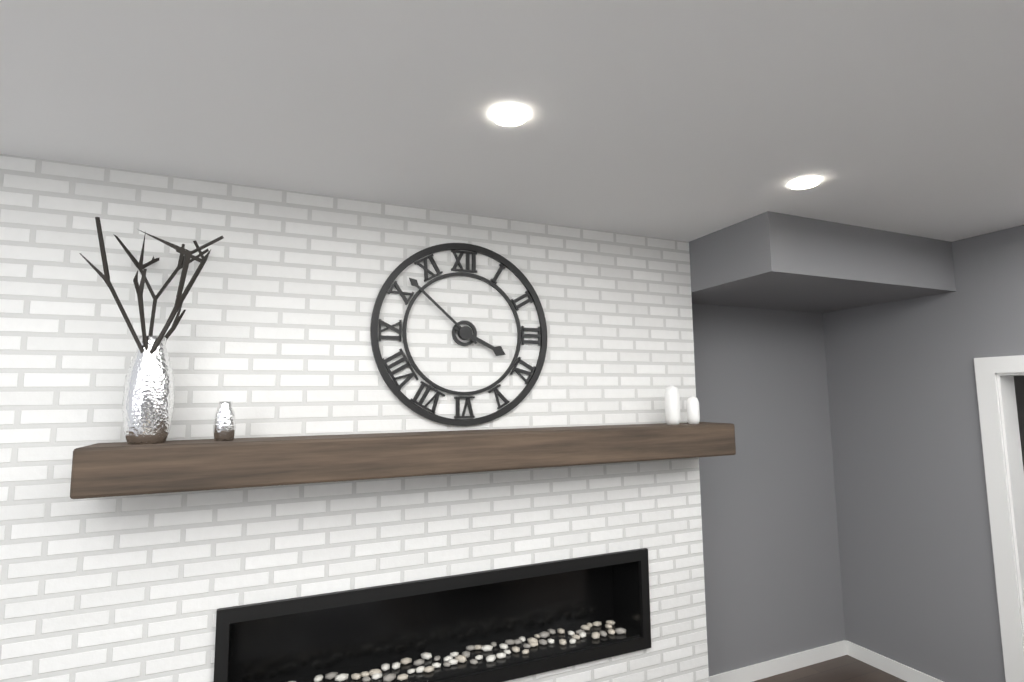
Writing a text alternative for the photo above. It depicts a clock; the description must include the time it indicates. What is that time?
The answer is 3:52
